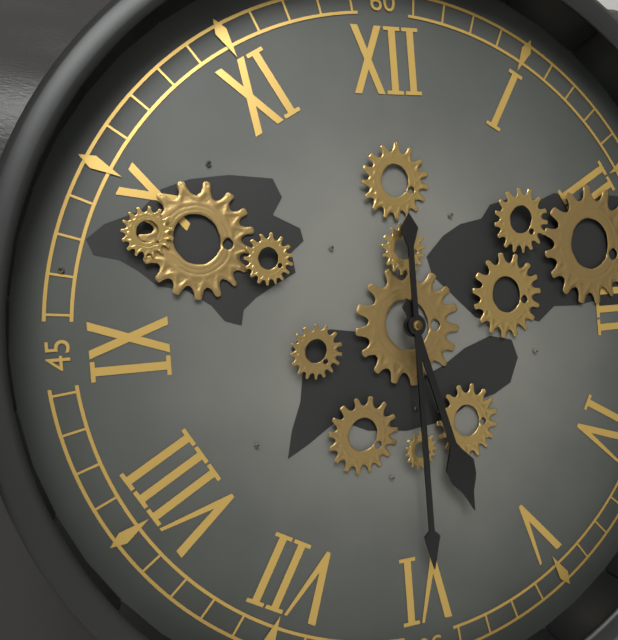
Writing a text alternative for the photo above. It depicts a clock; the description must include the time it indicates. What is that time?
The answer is 5:30
